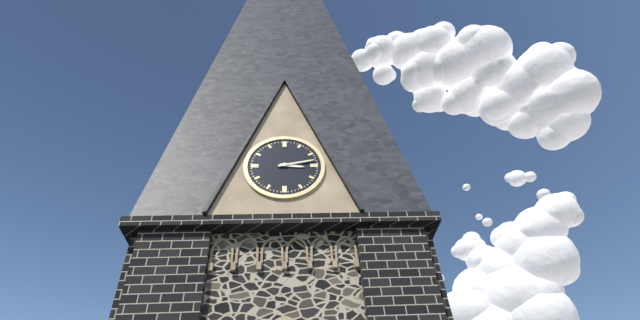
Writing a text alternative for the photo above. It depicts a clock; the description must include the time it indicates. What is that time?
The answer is 3:13
